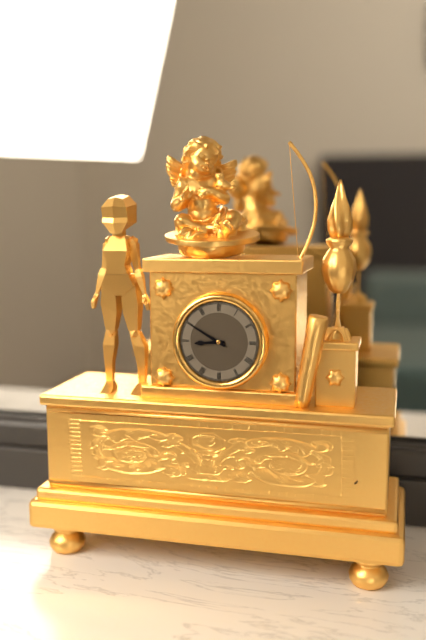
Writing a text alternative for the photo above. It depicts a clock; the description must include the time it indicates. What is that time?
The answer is 8:50
